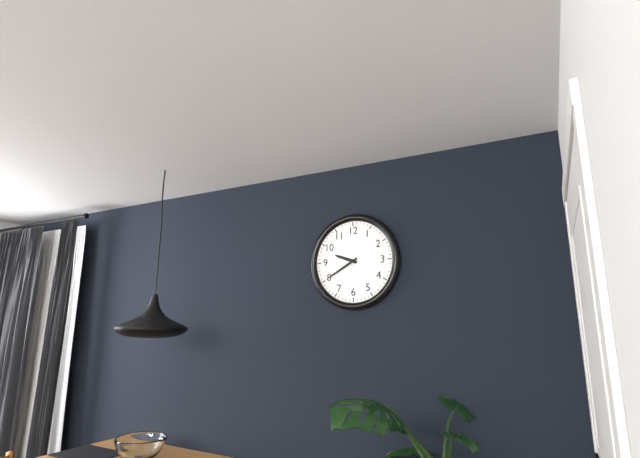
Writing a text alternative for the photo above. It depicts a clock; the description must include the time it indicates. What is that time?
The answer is 9:40
